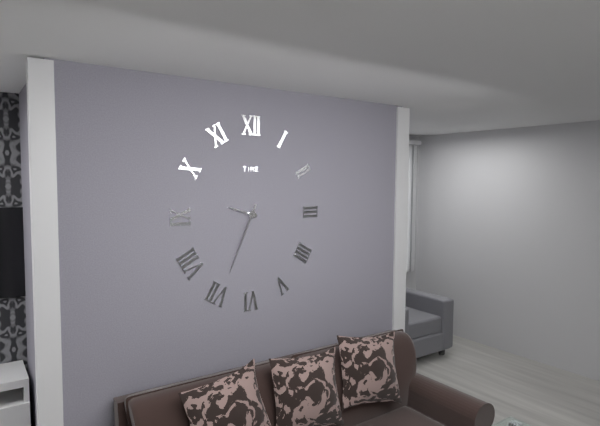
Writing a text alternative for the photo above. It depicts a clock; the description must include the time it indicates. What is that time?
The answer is 9:34
